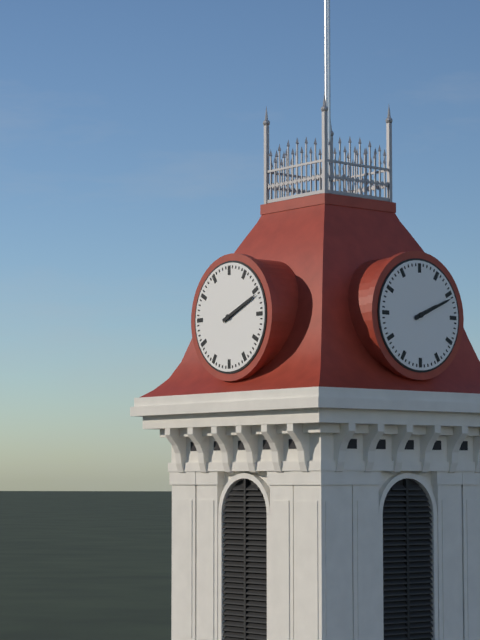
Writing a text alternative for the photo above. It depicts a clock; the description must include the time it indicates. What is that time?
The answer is 2:11
